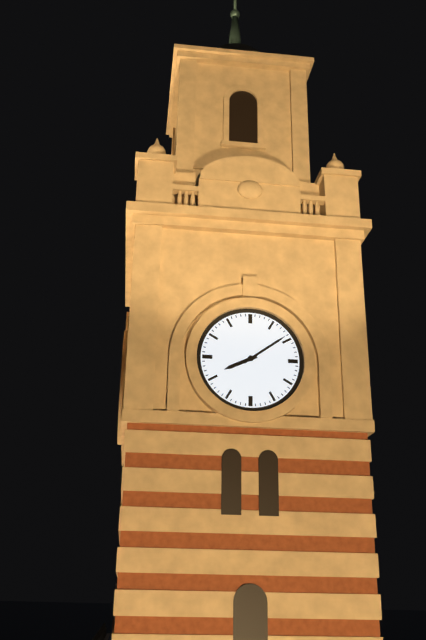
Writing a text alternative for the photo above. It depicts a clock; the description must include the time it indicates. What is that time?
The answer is 8:09
